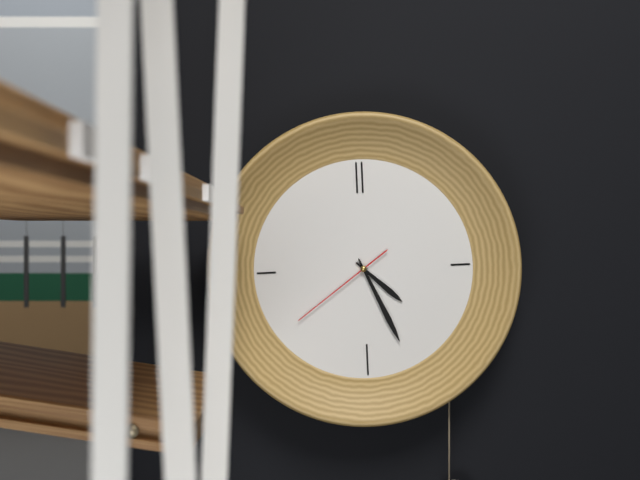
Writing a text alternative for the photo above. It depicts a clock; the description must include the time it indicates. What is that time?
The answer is 4:26:39
